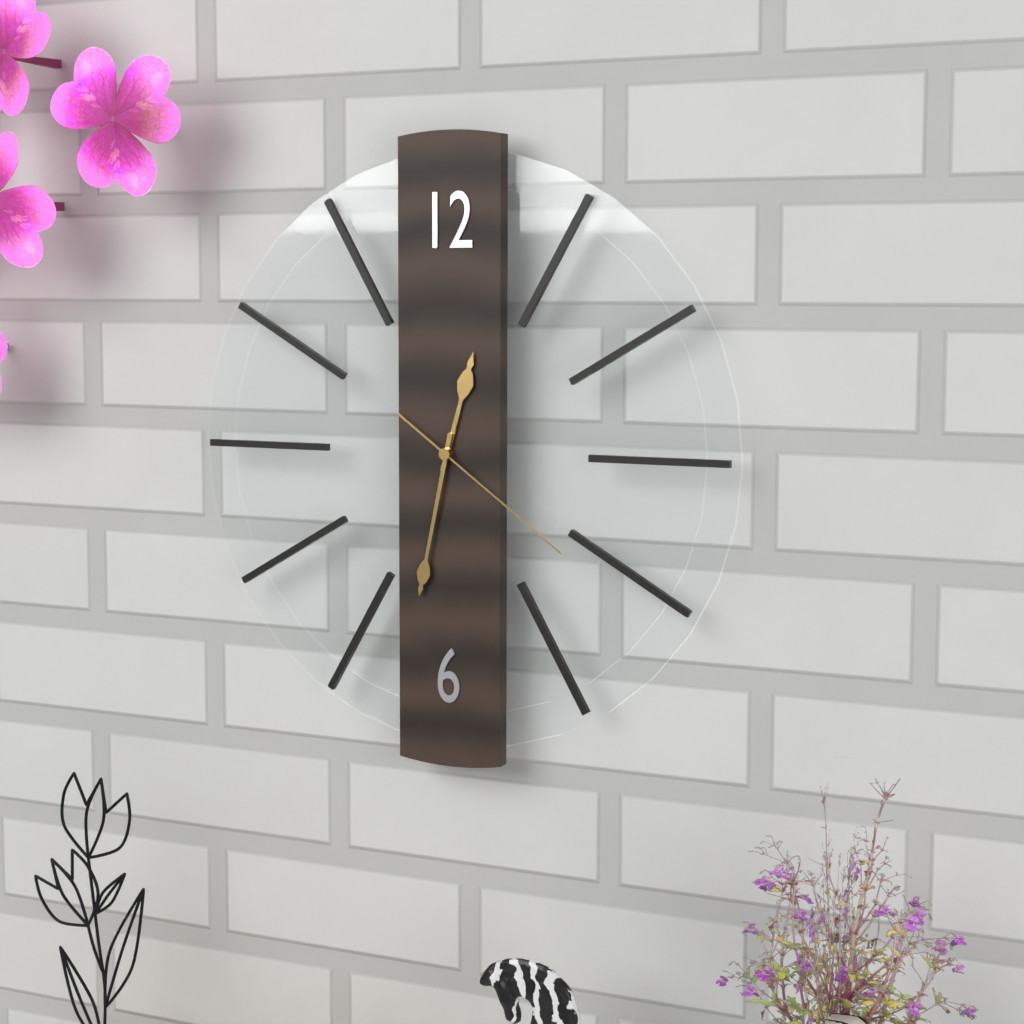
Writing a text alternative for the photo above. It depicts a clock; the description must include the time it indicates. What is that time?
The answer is 12:32:21
